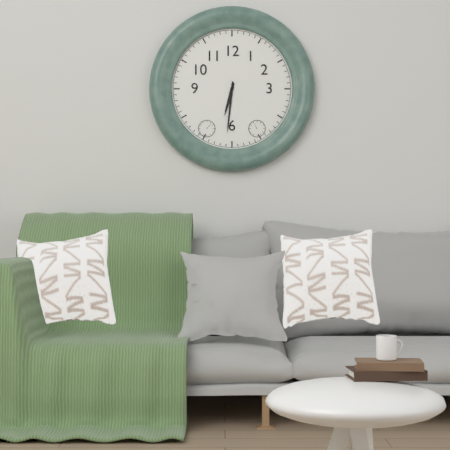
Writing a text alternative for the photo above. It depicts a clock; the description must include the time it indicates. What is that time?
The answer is 6:31
